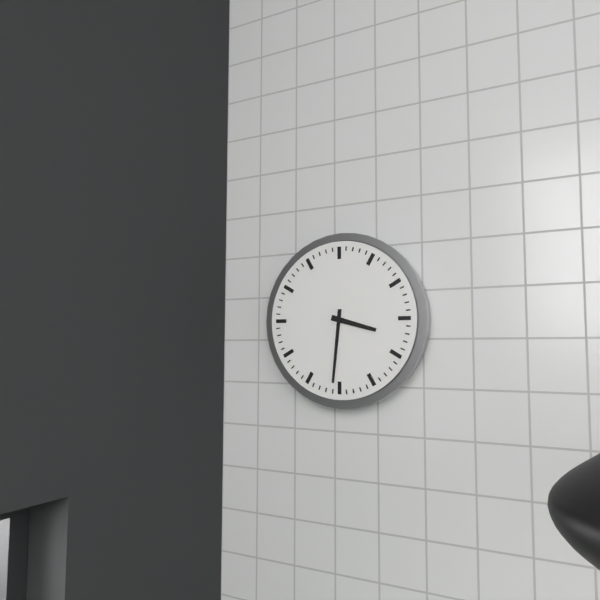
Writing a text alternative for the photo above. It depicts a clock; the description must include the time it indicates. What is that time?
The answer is 3:31
